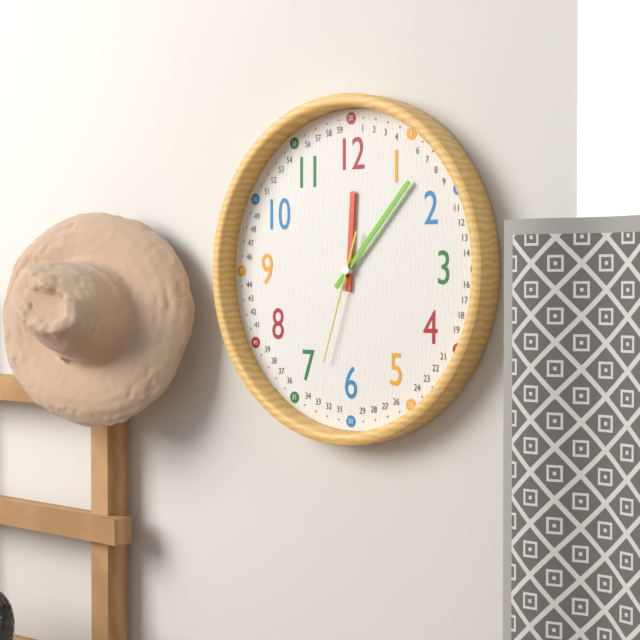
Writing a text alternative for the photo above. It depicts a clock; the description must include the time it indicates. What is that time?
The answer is 12:07:33
